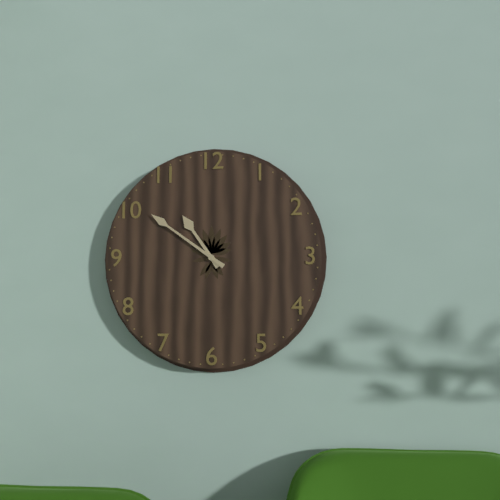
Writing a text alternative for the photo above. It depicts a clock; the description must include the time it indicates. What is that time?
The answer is 10:51
